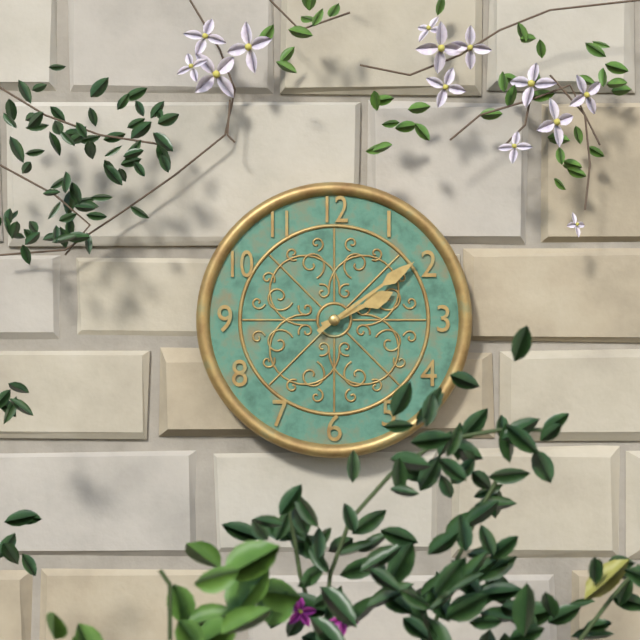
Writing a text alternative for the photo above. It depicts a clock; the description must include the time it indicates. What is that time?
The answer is 2:09
